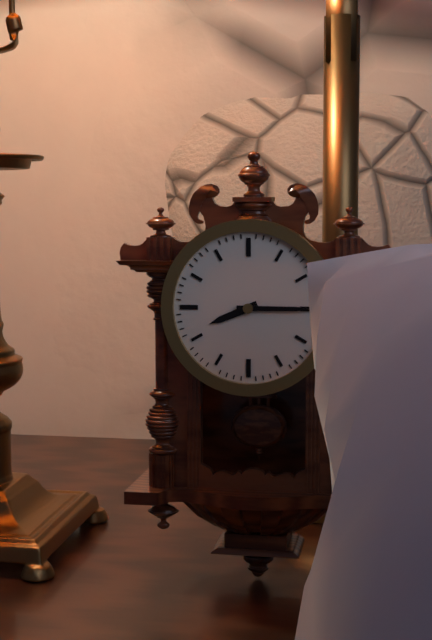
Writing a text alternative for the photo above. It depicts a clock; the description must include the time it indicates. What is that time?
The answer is 8:15
